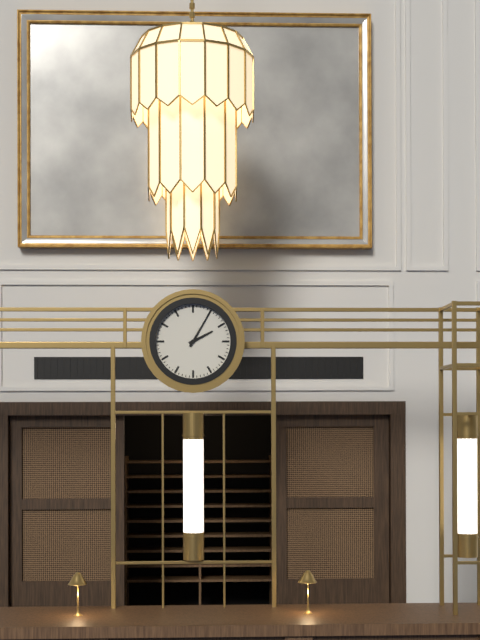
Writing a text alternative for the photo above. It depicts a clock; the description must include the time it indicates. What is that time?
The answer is 2:05
